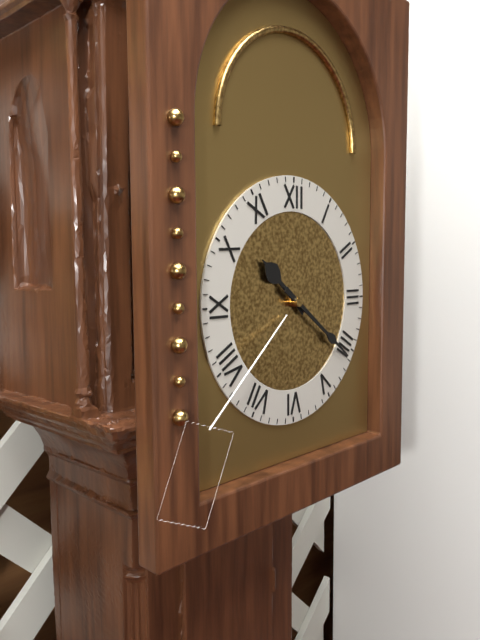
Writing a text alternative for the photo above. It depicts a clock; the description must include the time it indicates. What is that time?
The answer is 10:21
